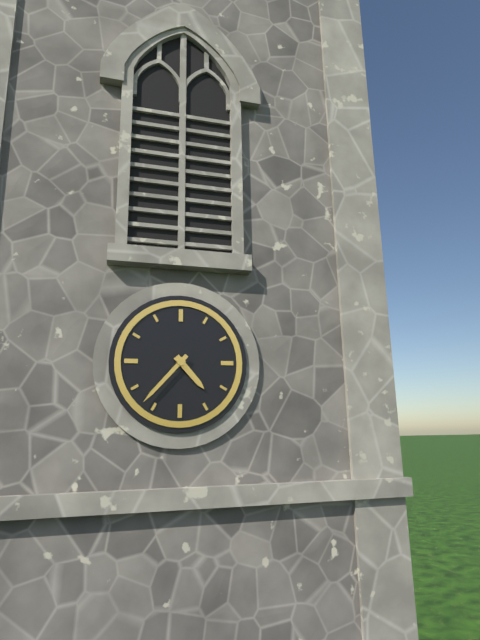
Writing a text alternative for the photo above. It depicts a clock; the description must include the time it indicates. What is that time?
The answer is 4:37
